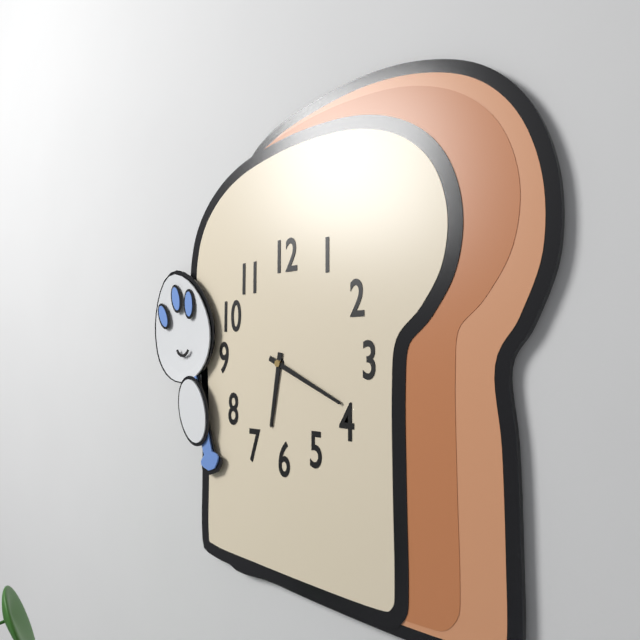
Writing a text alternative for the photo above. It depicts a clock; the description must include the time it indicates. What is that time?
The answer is 6:19
